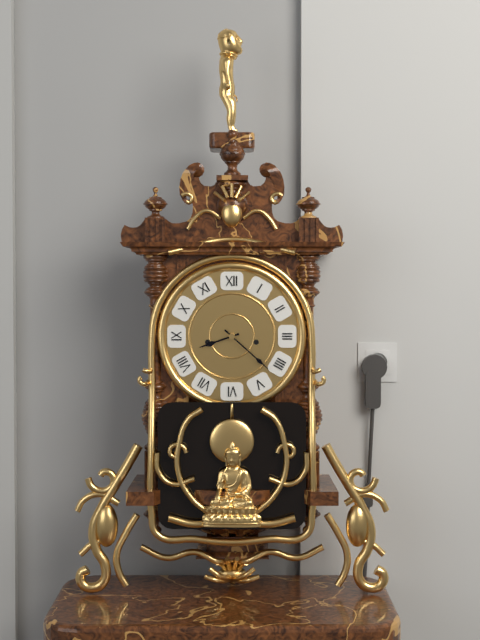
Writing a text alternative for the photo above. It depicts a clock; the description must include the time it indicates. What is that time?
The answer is 8:22
